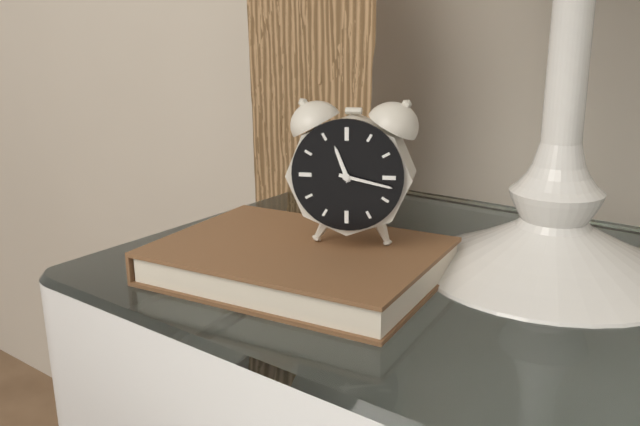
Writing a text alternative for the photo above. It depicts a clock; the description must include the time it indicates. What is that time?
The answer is 11:17
